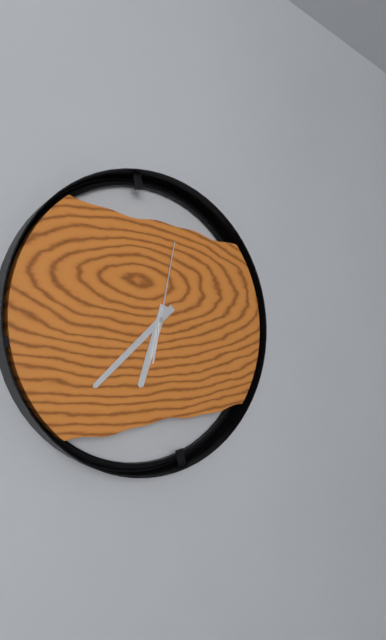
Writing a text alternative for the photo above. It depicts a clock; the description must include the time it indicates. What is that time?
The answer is 6:38:02
